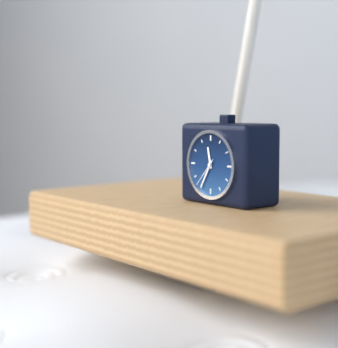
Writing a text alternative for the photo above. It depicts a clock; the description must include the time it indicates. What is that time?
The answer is 11:35
